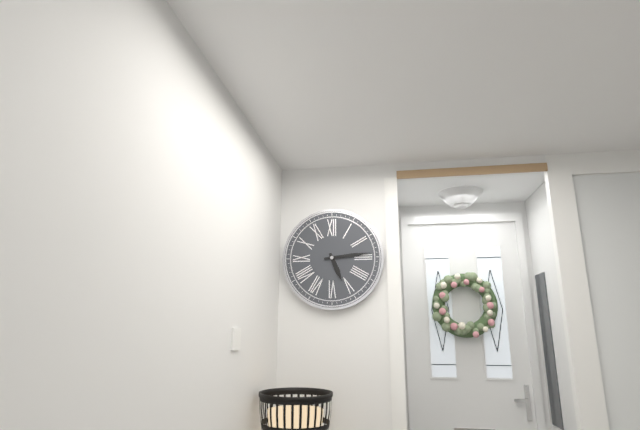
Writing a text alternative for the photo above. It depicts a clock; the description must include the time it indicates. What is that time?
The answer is 5:14
